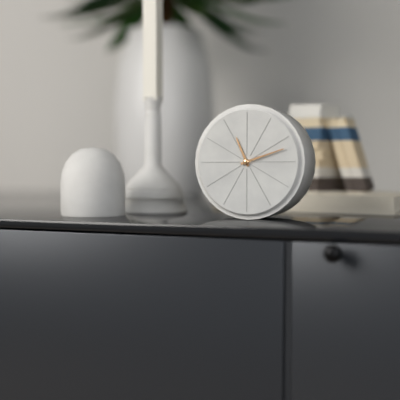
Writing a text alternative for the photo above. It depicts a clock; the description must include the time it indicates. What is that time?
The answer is 11:12
